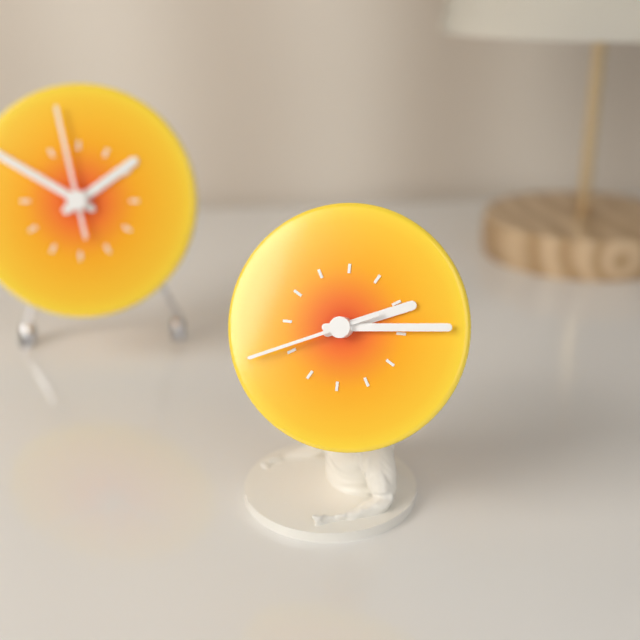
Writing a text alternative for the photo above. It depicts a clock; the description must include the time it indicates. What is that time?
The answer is 2:14:41
